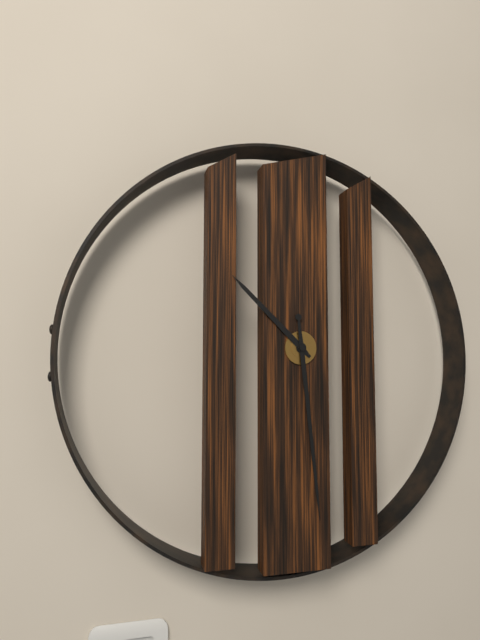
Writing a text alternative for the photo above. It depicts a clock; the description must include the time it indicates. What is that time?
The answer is 10:29
